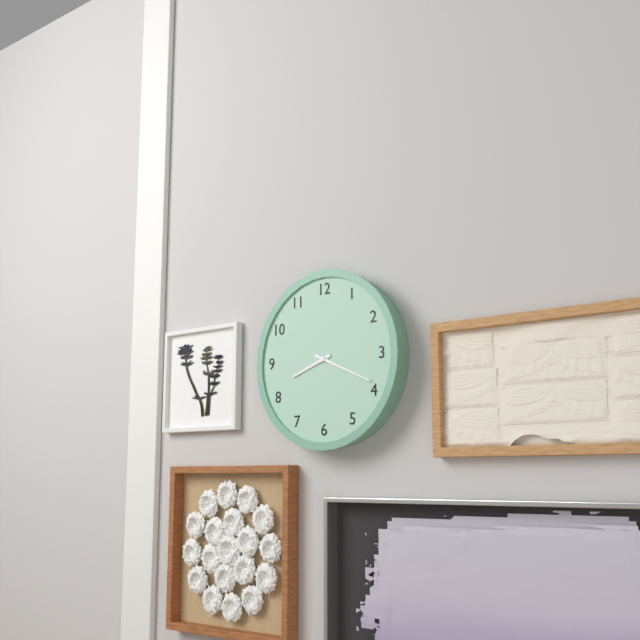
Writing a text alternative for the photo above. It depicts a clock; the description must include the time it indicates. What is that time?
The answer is 8:19
